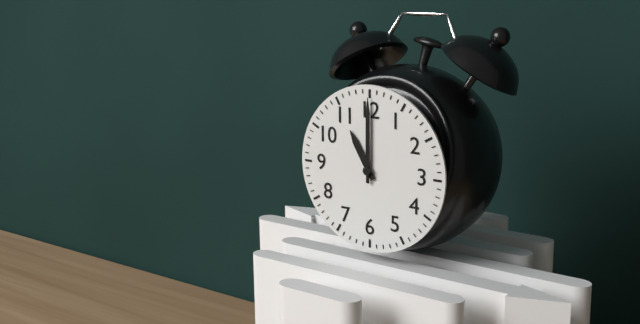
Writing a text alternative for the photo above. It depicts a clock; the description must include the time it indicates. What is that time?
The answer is 11:00
